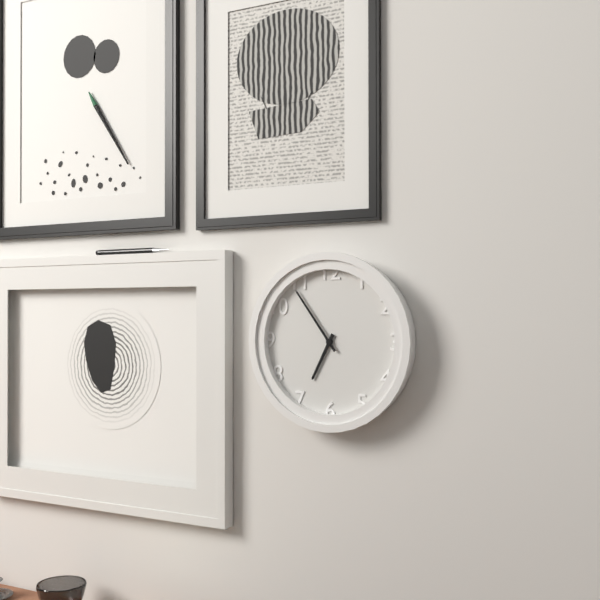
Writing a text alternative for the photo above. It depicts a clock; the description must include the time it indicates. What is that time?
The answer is 6:54
